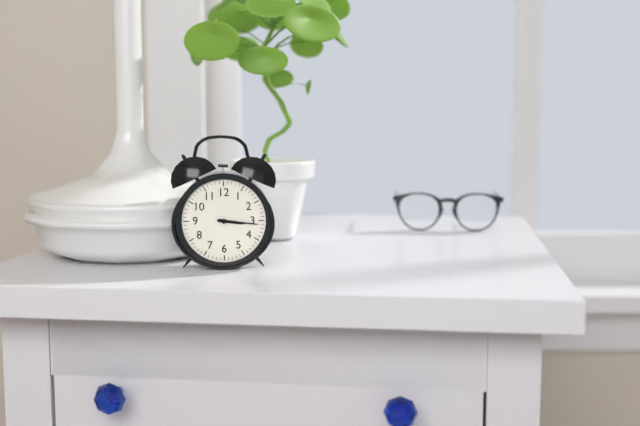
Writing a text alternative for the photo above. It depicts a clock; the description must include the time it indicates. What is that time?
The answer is 3:16
